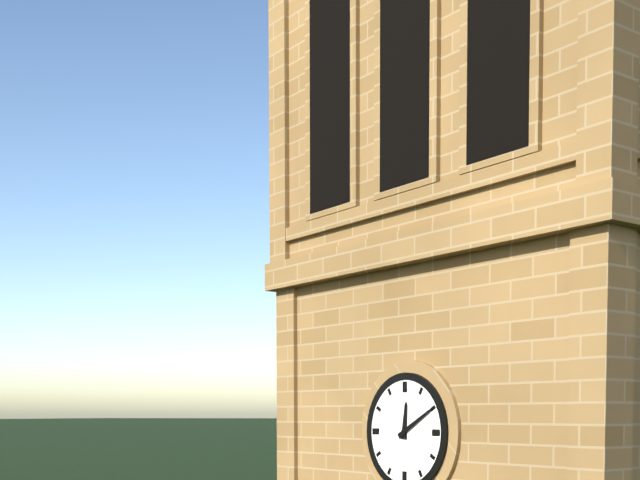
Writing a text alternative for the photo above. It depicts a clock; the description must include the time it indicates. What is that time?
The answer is 12:10
